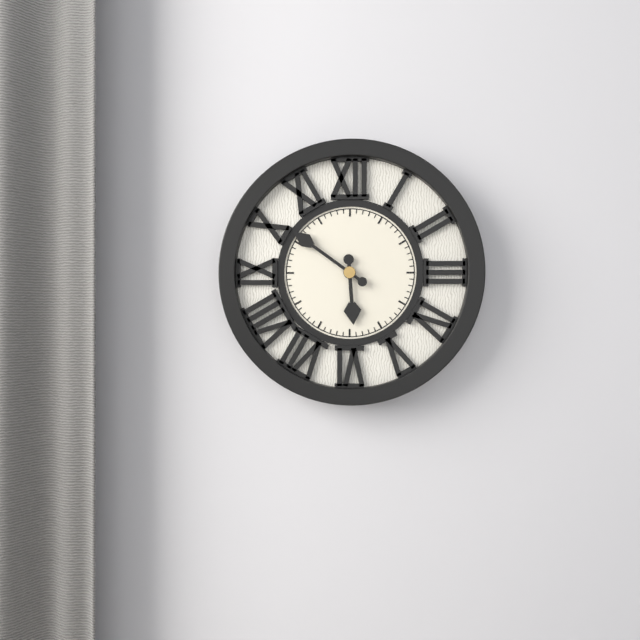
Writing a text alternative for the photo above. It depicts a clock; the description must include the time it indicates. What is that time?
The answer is 5:51
